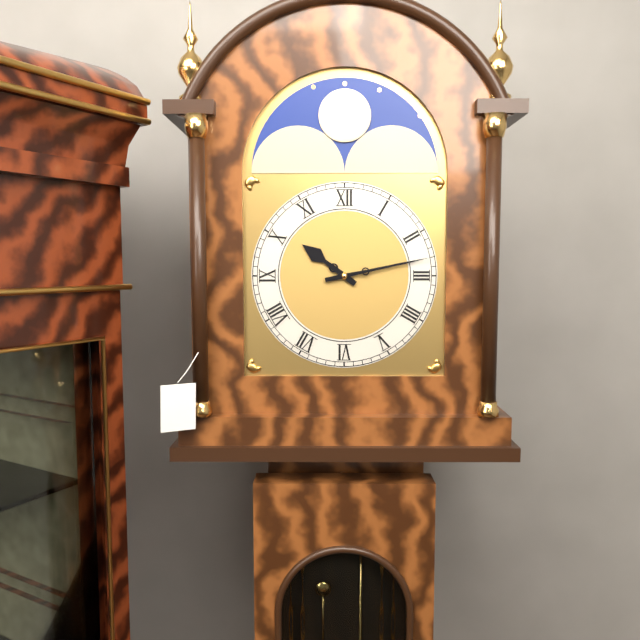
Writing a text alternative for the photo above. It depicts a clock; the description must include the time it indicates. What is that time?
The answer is 10:13
